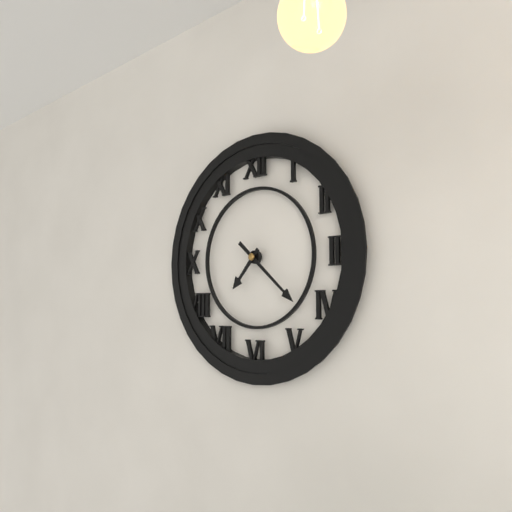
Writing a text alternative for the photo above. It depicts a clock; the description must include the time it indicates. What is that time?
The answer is 7:22
